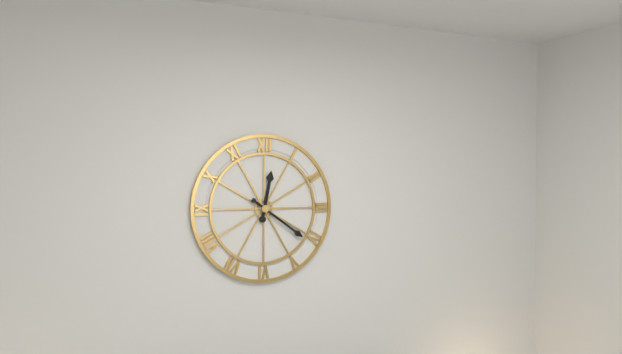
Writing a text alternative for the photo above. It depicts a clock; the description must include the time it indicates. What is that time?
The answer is 12:21
